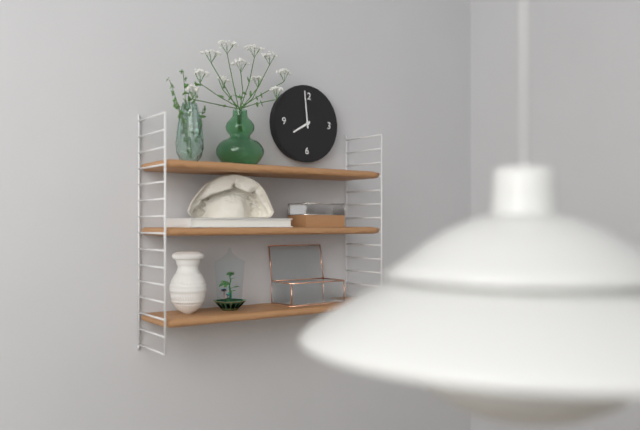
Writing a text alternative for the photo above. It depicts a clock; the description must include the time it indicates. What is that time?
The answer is 7:59
